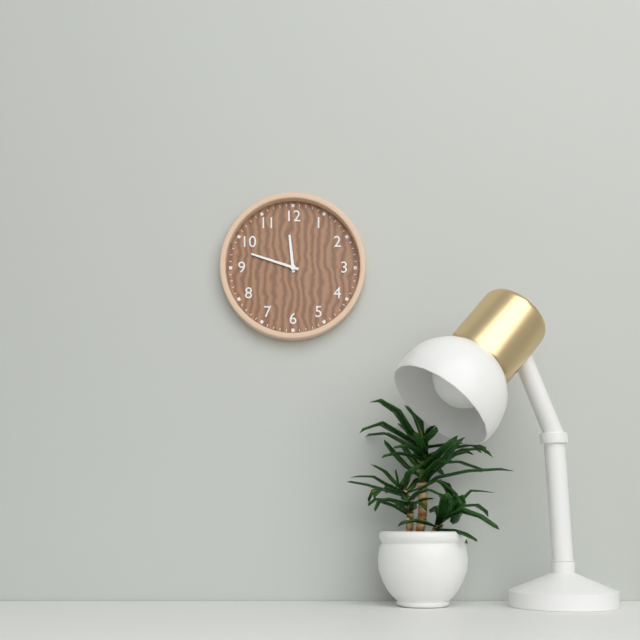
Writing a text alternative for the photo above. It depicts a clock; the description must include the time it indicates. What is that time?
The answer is 11:48
